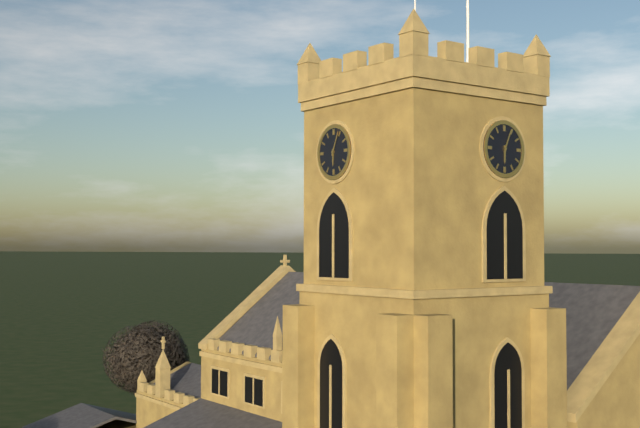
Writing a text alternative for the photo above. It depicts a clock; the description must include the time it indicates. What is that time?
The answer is 6:04
